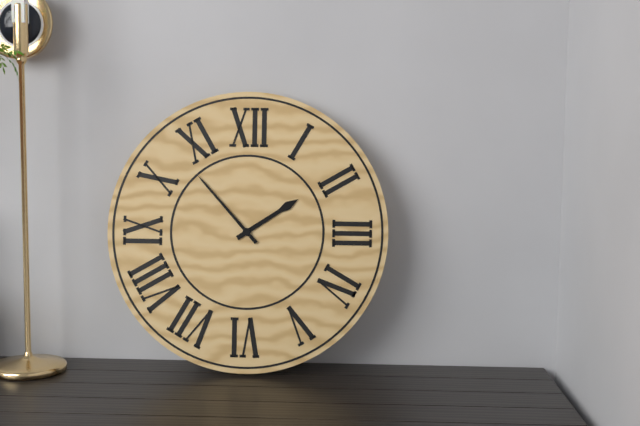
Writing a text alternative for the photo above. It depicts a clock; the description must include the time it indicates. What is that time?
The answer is 1:53
